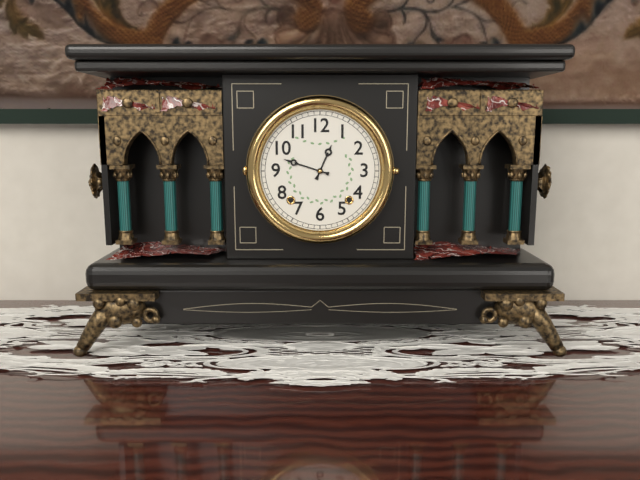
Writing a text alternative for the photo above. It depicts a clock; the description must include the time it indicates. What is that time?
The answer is 12:48
